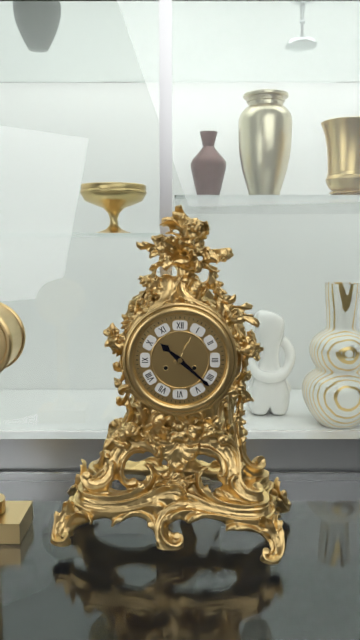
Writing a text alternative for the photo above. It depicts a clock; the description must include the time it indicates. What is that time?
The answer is 10:22
